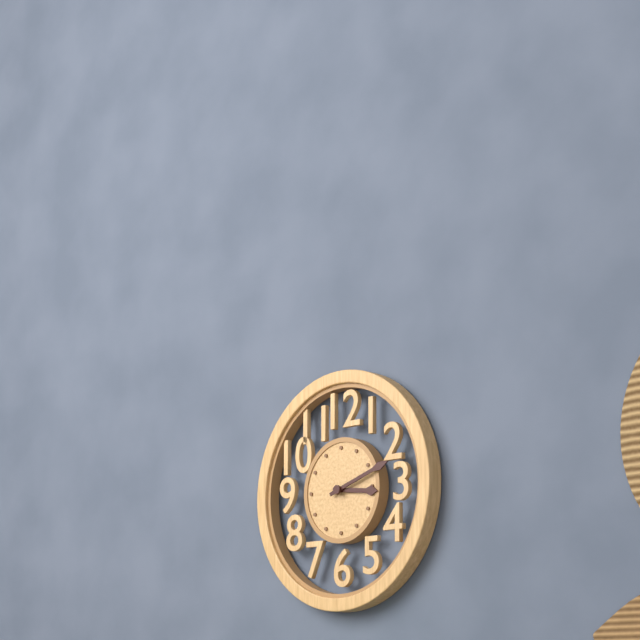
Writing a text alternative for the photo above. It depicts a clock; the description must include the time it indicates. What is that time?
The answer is 3:12
